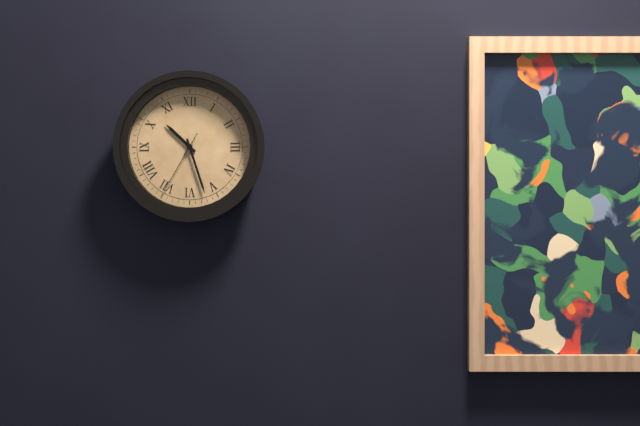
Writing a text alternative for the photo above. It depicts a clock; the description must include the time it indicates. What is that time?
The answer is 10:27:35
